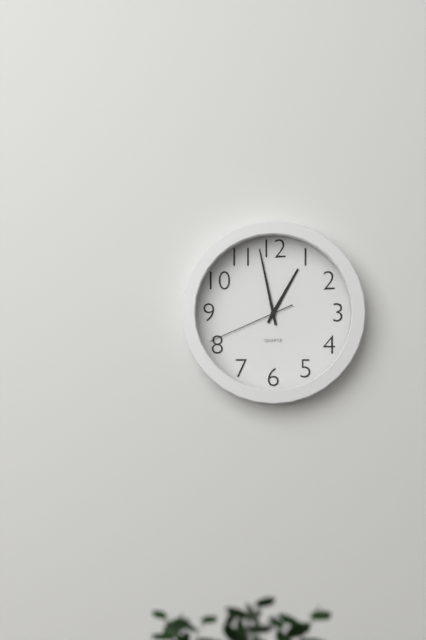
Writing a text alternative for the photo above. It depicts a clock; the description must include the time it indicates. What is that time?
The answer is 12:58:41
